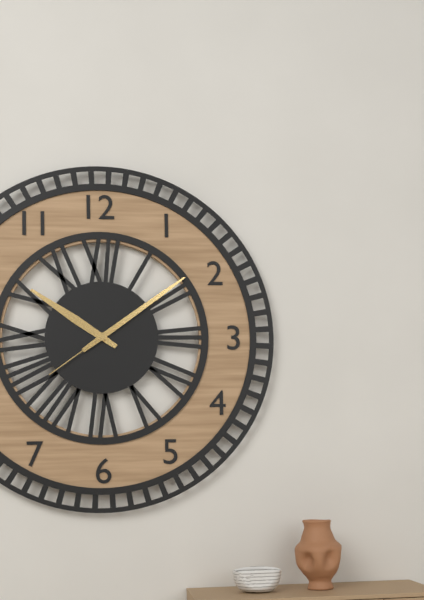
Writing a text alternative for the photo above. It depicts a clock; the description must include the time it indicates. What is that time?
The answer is 10:09:39
